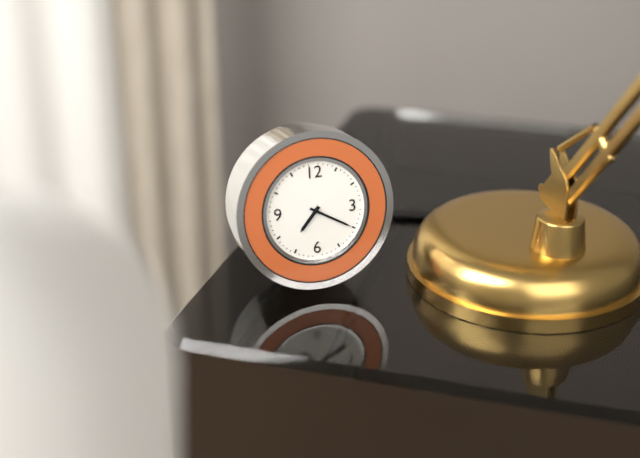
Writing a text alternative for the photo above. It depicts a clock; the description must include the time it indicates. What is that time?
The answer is 7:20
